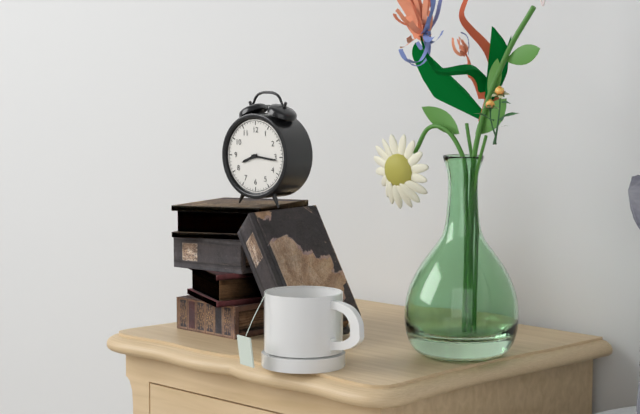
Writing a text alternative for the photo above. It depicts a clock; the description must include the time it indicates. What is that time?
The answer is 8:16
